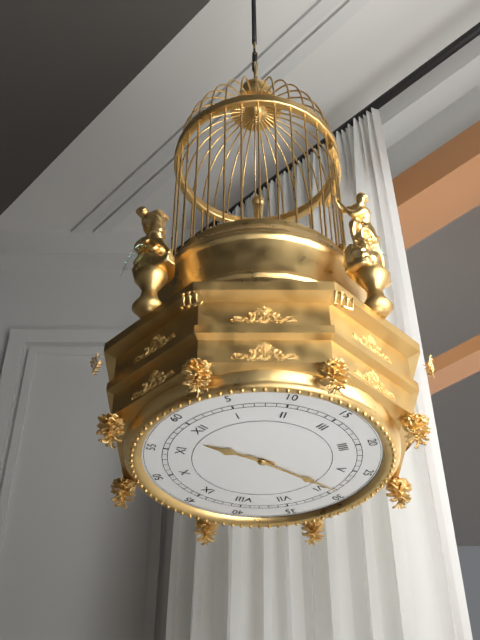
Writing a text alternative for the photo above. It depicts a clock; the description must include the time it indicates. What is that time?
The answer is 11:29
